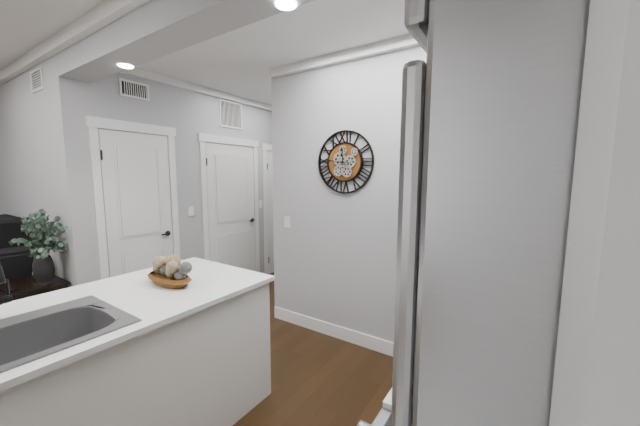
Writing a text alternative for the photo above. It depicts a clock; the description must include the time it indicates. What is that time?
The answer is 11:46
